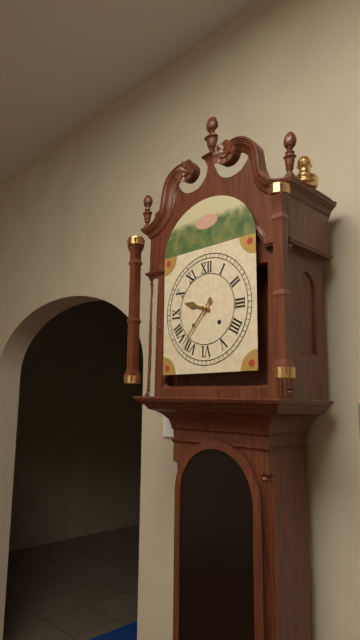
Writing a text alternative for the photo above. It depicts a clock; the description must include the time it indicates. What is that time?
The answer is 9:37
